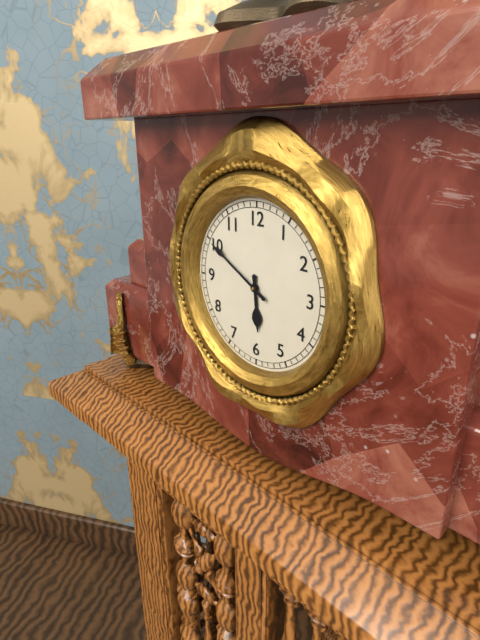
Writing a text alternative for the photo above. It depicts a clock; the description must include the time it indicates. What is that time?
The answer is 5:50
